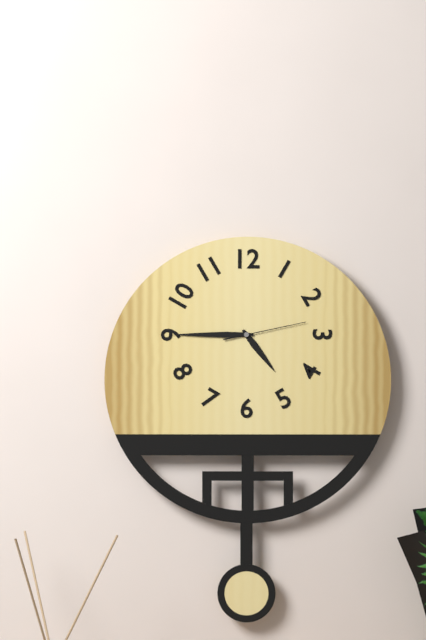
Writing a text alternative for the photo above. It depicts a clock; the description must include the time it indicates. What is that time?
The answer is 4:45:13
